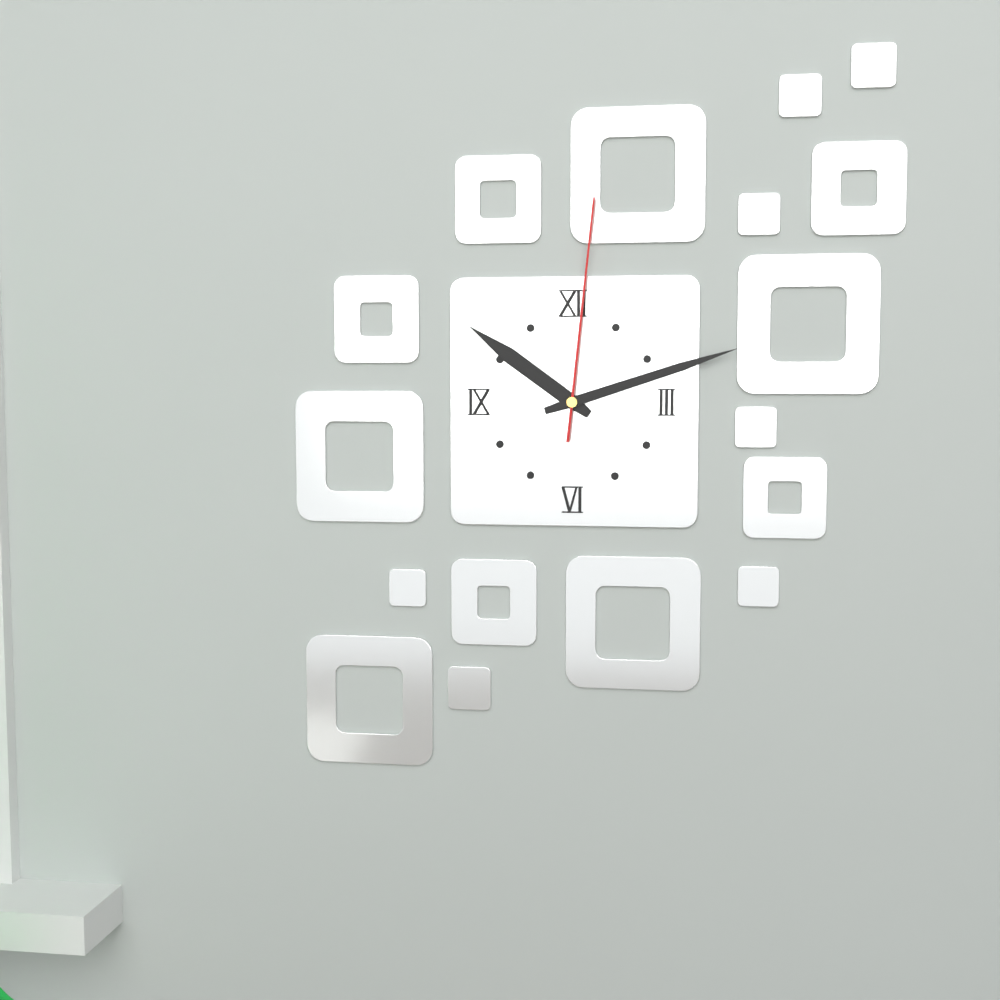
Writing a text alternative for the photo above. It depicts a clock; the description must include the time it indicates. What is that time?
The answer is 10:12:01
